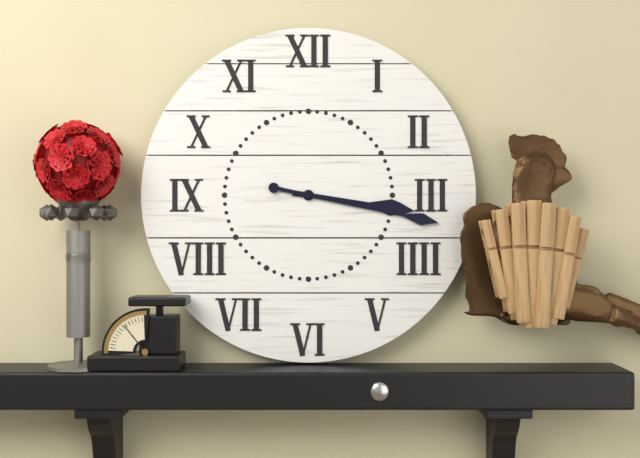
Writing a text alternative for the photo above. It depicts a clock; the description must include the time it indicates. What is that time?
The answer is 3:17
